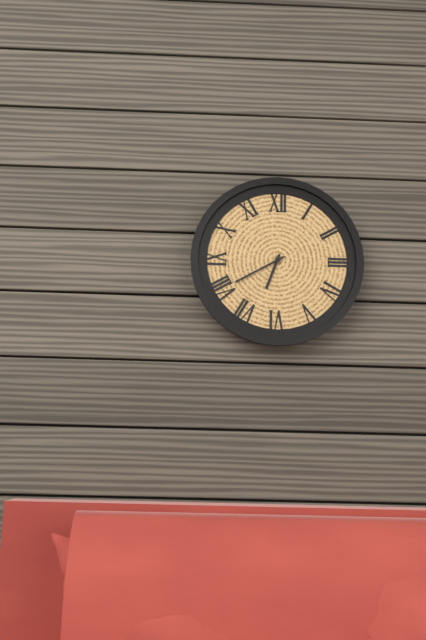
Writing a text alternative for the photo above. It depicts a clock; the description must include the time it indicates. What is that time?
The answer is 6:40
